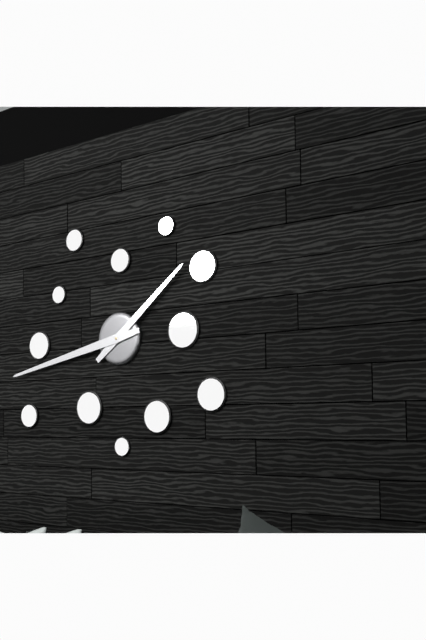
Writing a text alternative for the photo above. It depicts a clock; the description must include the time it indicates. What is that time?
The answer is 1:43
